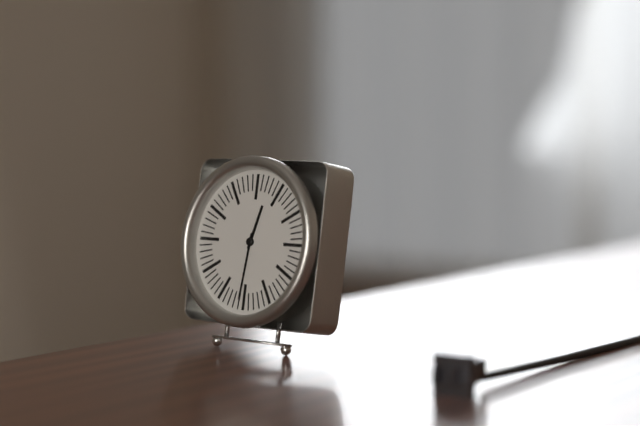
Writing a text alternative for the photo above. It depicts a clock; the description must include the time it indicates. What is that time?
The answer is 12:31
